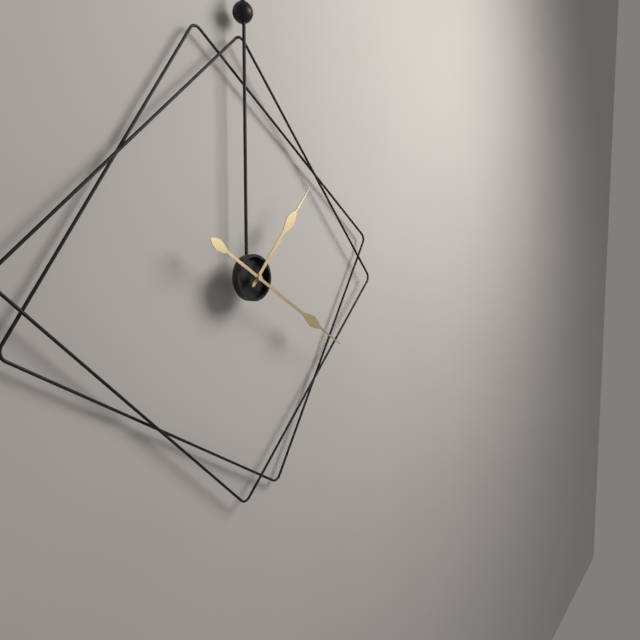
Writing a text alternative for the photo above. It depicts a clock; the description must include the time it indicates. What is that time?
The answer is 1:20
